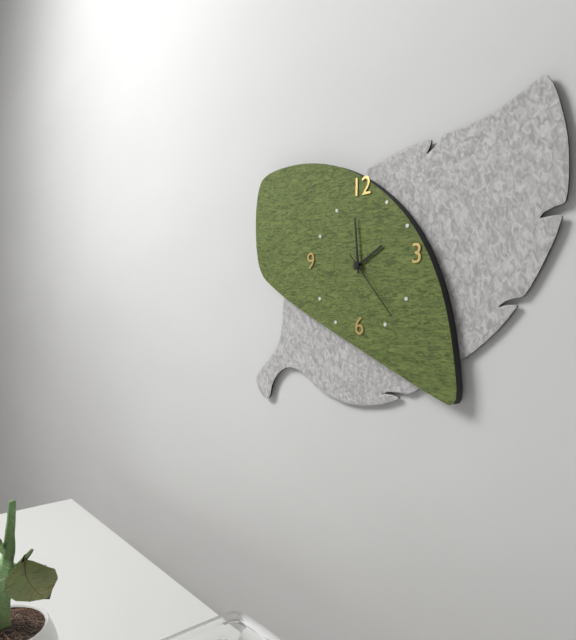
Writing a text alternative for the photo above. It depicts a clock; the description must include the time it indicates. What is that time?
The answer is 1:59:23
